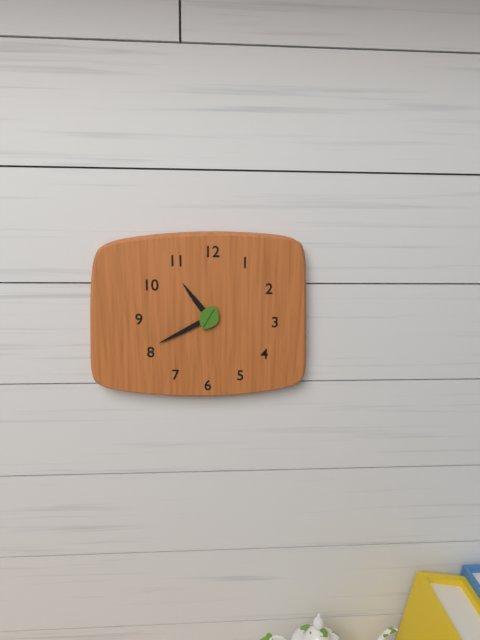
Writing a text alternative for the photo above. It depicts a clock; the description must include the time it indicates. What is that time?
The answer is 10:40
